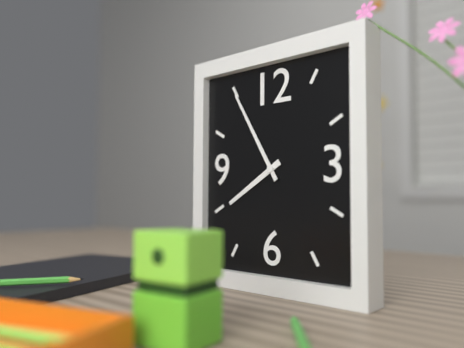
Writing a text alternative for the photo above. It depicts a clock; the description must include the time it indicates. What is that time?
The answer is 7:55
